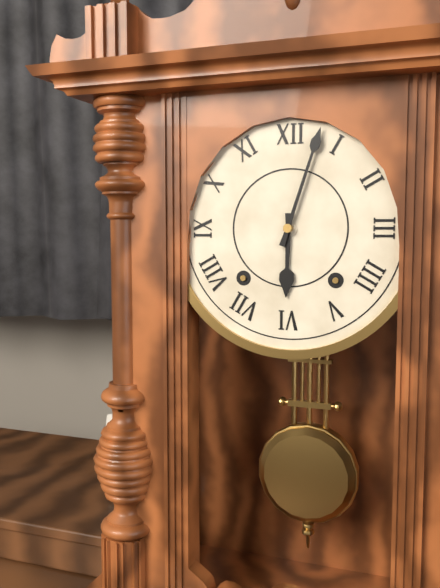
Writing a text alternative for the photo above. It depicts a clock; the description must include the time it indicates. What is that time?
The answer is 6:03
